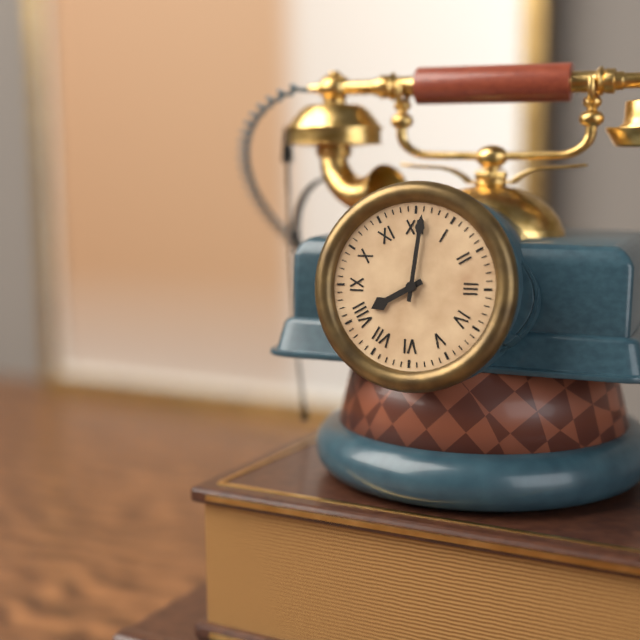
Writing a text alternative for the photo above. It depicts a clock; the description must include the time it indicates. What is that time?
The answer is 8:01
